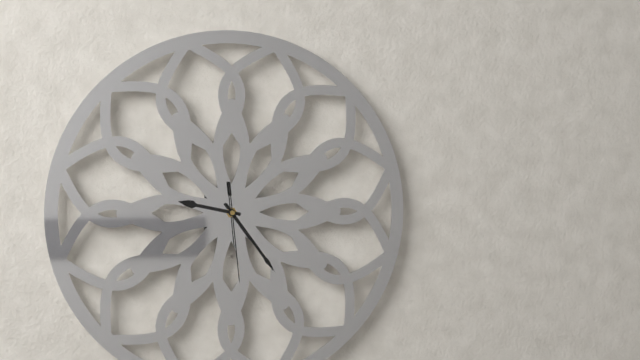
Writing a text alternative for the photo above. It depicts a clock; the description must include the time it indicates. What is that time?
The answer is 9:24:29
